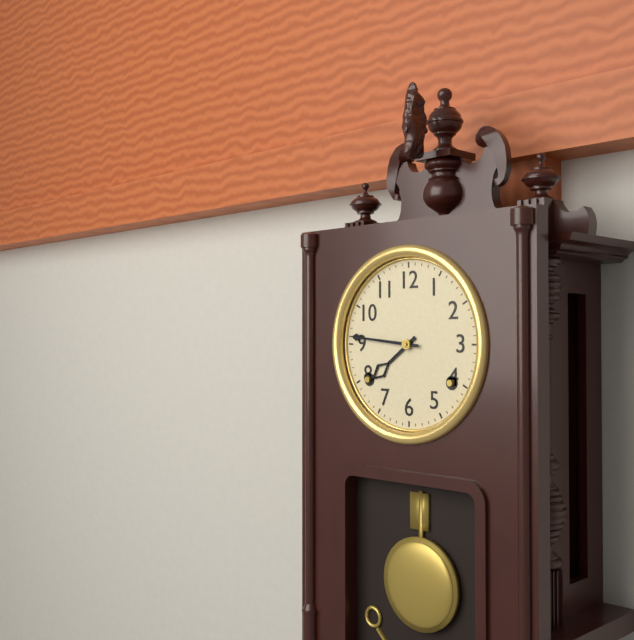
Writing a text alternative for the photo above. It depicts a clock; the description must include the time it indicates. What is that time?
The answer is 7:46
